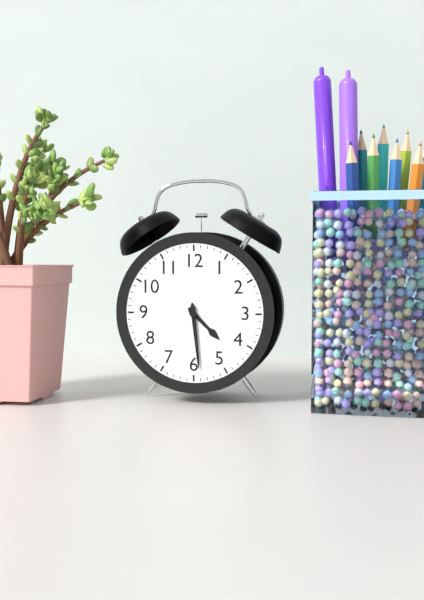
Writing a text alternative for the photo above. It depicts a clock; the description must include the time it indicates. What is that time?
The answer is 4:29
